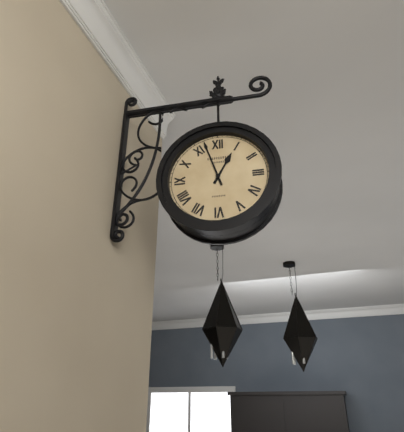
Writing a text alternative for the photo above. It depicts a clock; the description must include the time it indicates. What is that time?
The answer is 12:57
